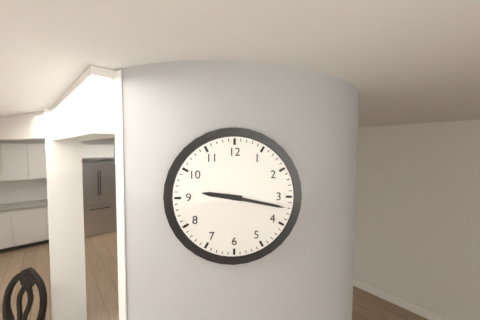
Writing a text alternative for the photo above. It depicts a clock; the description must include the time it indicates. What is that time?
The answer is 9:17
